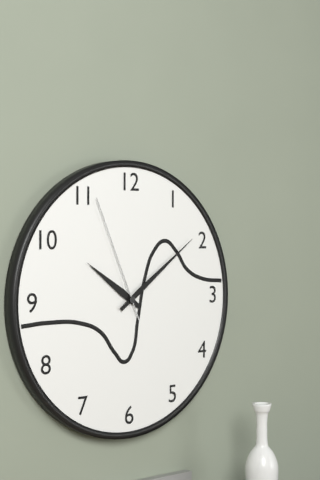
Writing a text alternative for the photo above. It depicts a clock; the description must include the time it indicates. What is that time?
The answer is 10:09:56
